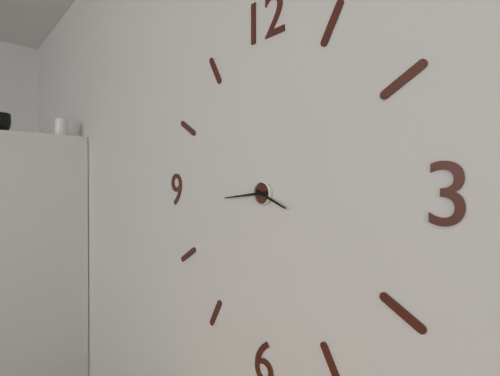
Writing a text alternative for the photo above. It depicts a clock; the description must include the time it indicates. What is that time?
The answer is 3:44
